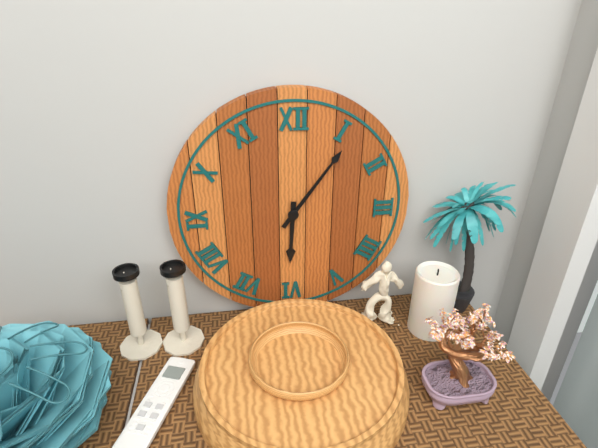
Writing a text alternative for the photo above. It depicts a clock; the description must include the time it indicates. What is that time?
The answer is 6:06
